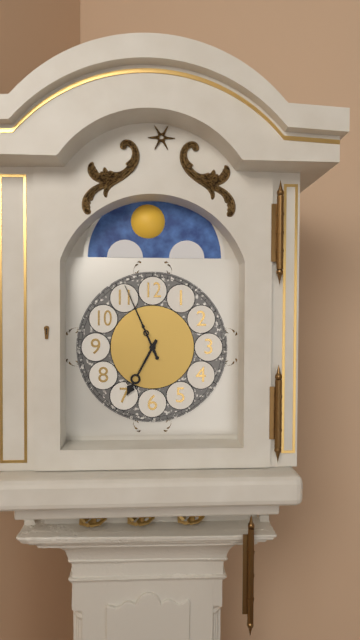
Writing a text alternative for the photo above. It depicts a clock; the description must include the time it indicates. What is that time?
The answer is 6:56
